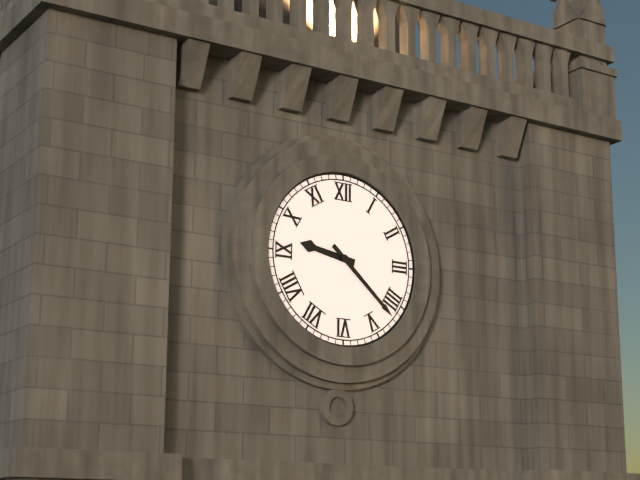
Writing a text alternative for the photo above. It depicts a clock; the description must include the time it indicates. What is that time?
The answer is 9:22
